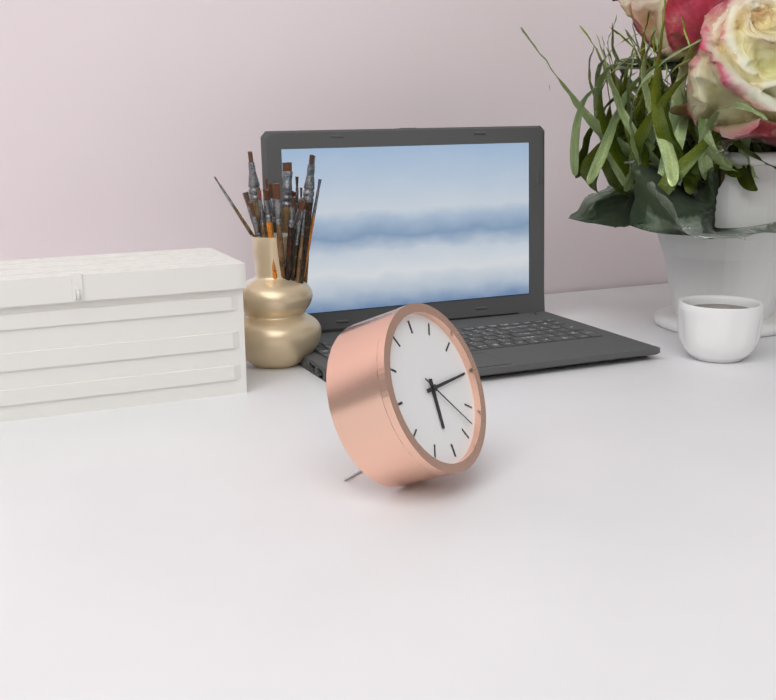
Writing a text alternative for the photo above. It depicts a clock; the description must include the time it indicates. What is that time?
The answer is 6:15:23
